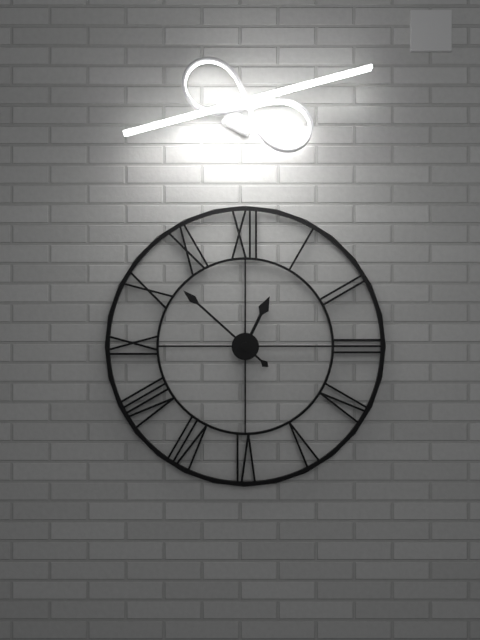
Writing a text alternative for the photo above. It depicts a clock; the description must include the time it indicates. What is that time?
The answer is 12:52
